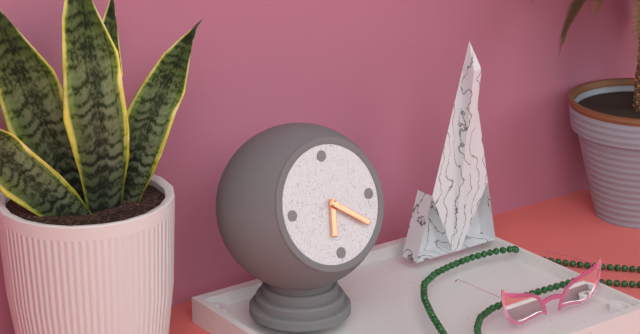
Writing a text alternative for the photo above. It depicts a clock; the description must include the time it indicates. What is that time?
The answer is 6:21
